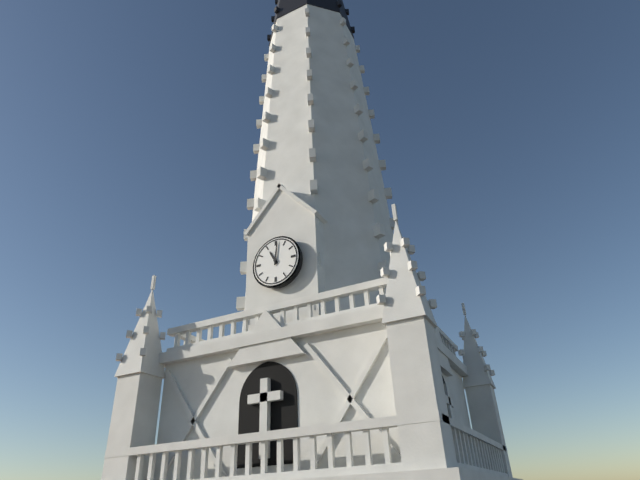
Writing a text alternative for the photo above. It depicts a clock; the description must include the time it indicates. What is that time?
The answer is 11:01
